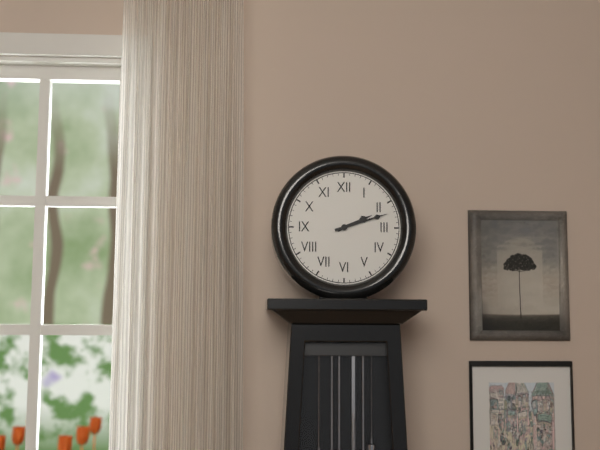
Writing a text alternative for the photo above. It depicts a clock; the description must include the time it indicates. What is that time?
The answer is 2:12
